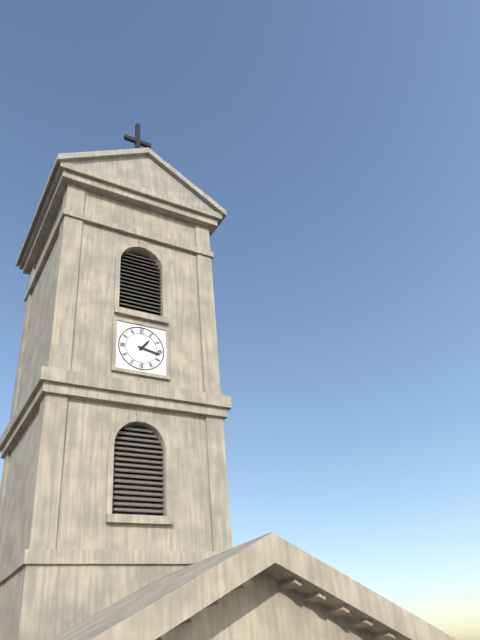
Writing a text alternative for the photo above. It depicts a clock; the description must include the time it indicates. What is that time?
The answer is 1:17
